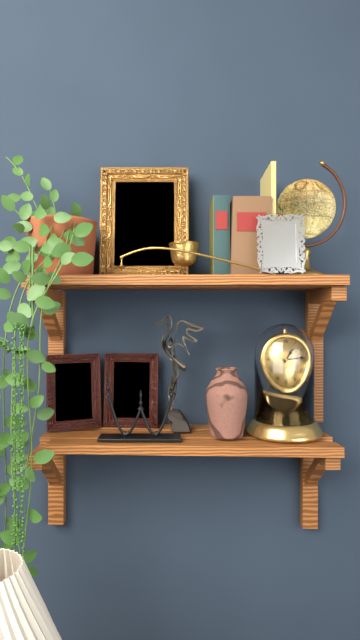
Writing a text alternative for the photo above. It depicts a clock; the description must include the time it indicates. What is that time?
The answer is 1:14
